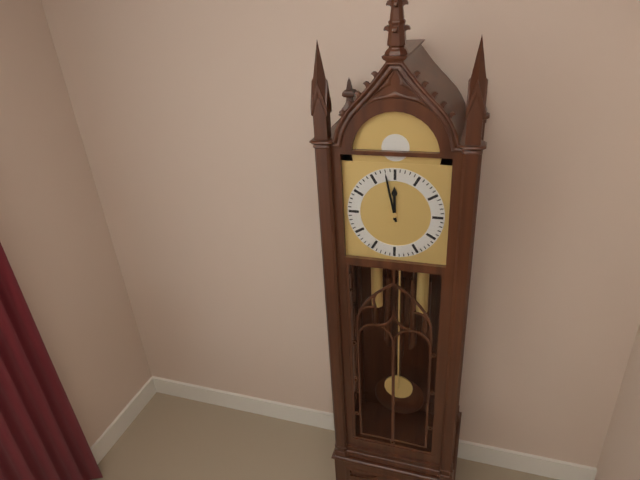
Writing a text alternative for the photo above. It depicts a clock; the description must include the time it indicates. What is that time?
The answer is 11:58
